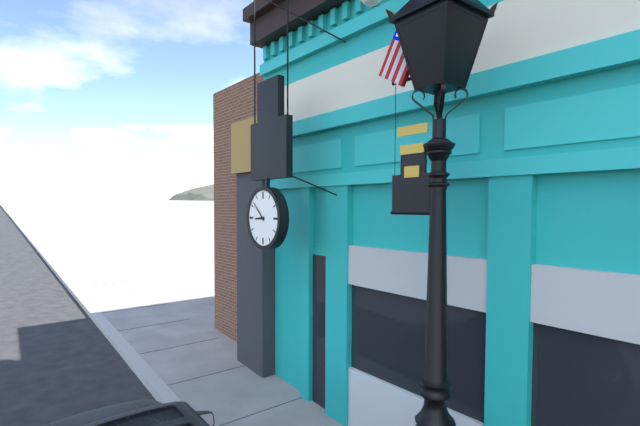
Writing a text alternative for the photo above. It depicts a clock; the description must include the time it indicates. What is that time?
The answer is 8:52
